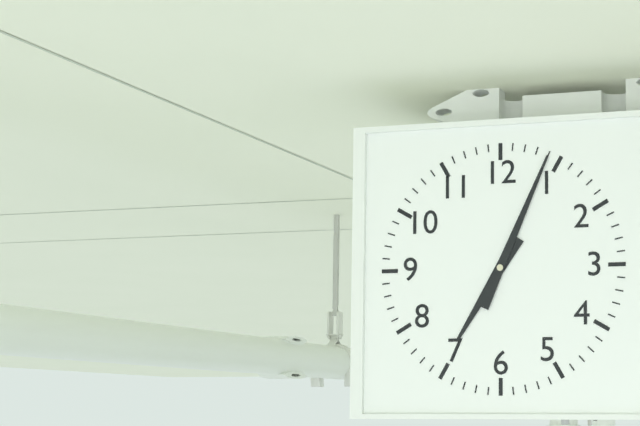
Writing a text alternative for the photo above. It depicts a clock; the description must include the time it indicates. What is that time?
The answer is 7:04
